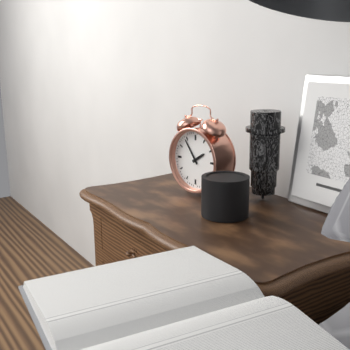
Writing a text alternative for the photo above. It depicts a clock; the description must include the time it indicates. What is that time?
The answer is 1:54
